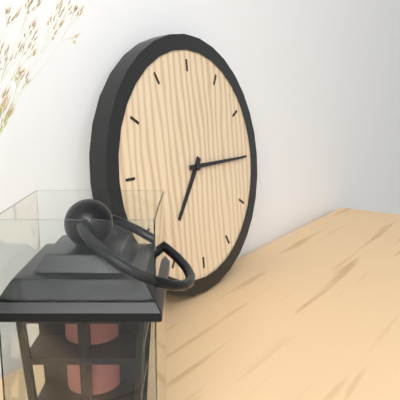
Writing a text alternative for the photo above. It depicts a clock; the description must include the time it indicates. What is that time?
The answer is 7:15
